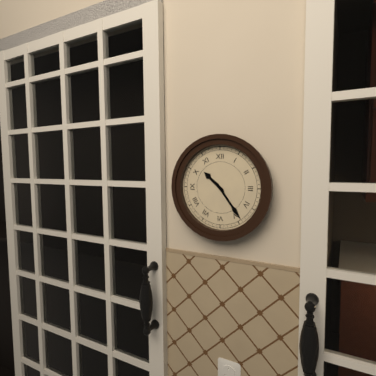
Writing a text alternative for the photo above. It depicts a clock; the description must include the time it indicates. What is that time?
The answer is 10:24
